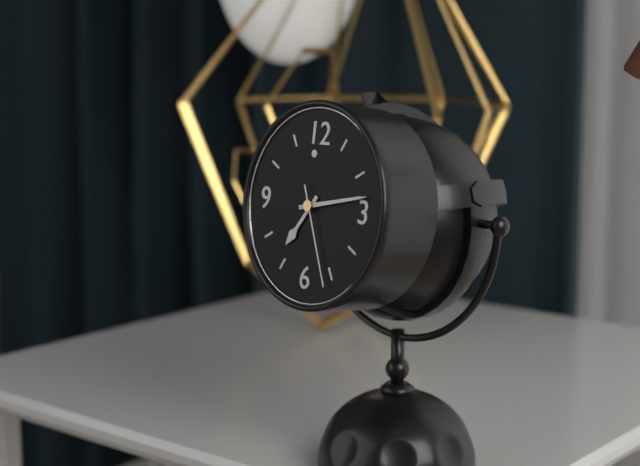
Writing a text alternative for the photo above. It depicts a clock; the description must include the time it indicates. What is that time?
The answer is 7:13:26
